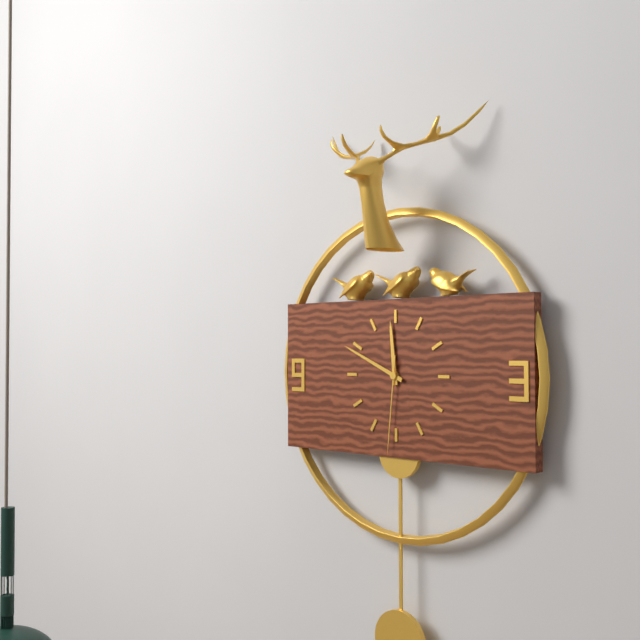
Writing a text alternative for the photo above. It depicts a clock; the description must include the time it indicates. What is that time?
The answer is 11:49:31
